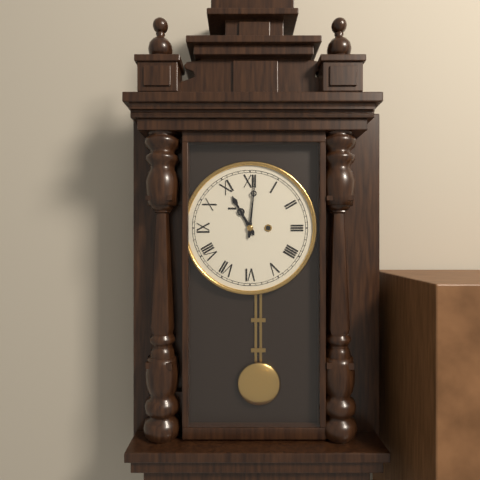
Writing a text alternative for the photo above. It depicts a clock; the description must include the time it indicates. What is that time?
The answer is 11:01
